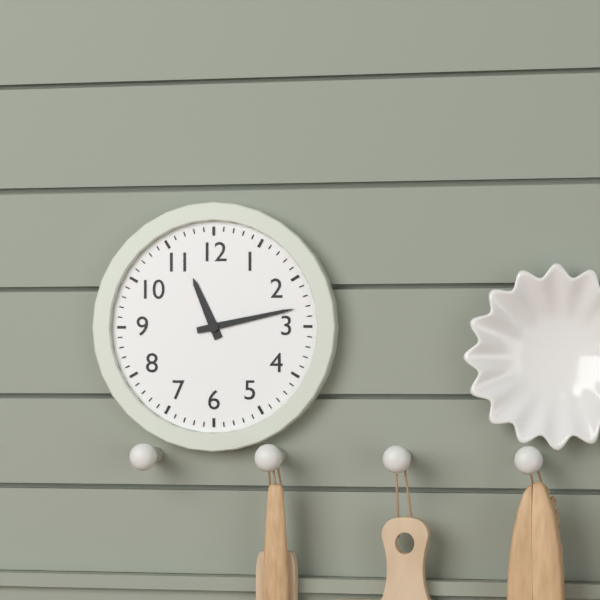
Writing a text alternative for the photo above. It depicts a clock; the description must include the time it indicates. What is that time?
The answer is 11:13
